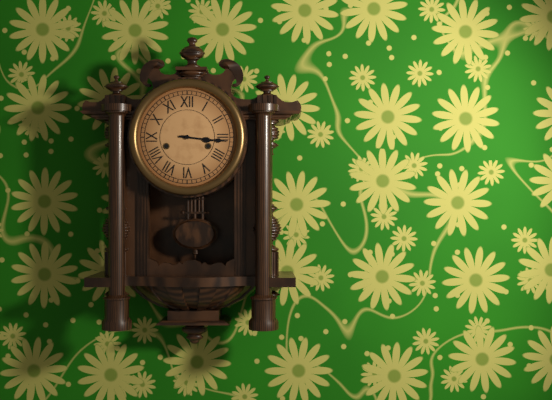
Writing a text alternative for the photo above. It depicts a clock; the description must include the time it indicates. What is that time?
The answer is 3:16
